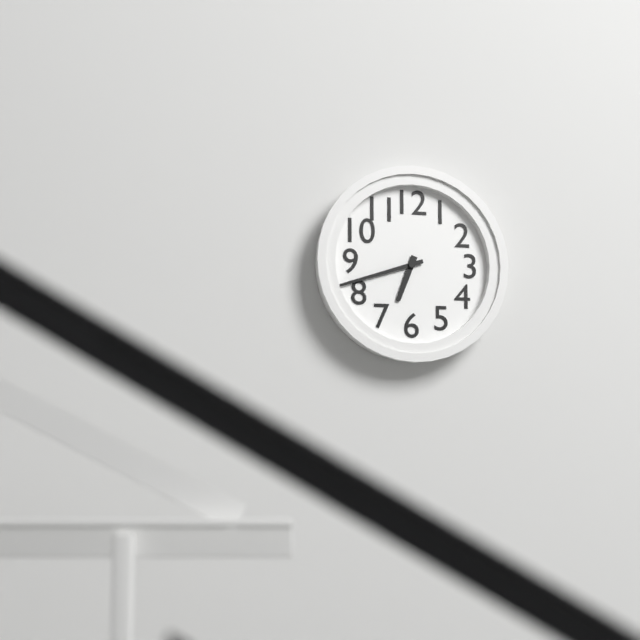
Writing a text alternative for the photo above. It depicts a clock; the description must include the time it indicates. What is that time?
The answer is 6:42
